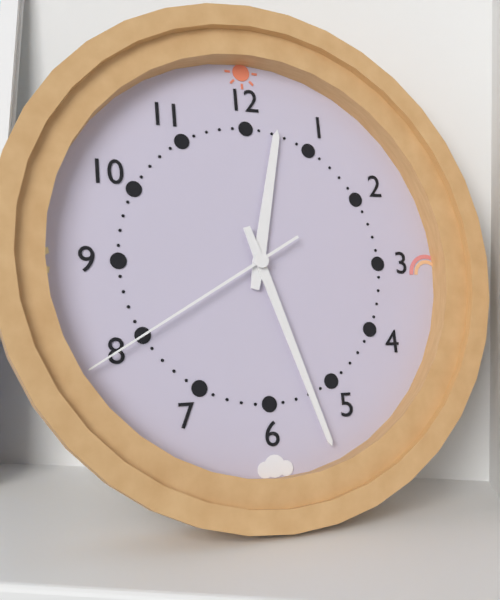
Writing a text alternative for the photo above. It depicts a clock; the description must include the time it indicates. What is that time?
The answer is 12:27:40
